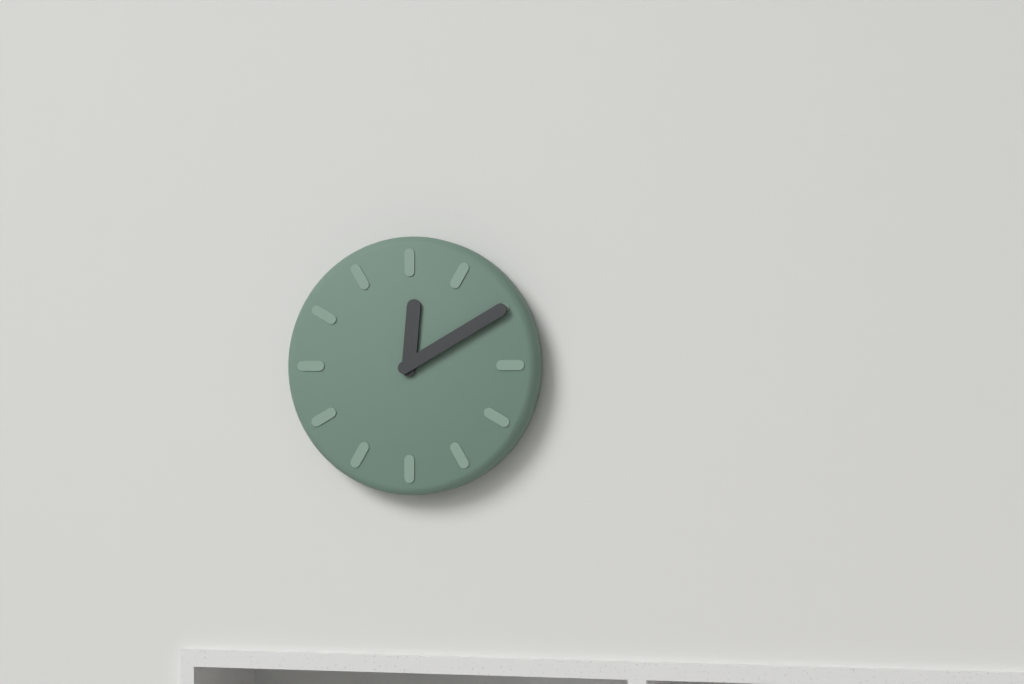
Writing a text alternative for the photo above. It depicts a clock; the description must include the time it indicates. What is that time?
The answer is 12:10
